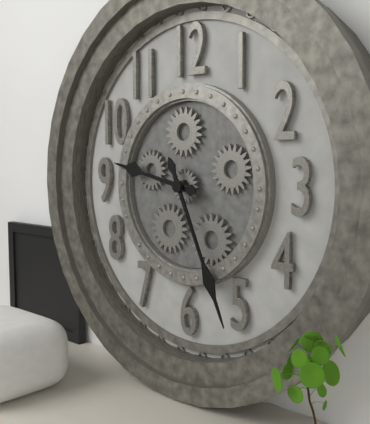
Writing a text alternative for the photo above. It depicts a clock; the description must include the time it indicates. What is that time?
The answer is 9:26
